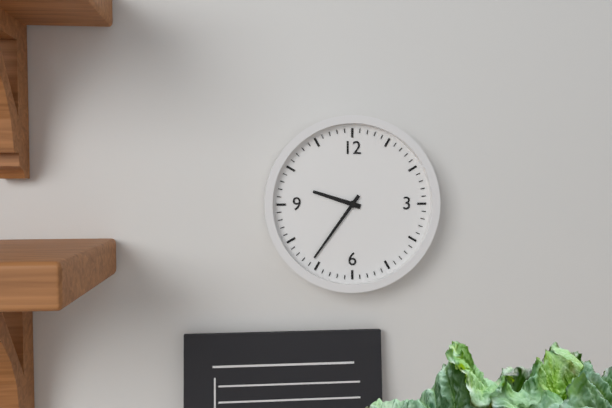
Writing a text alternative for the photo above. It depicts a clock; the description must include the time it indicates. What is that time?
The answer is 9:36
